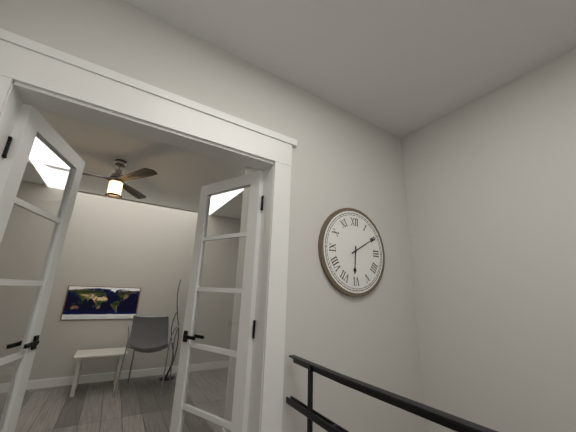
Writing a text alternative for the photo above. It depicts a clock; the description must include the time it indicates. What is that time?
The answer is 6:10
